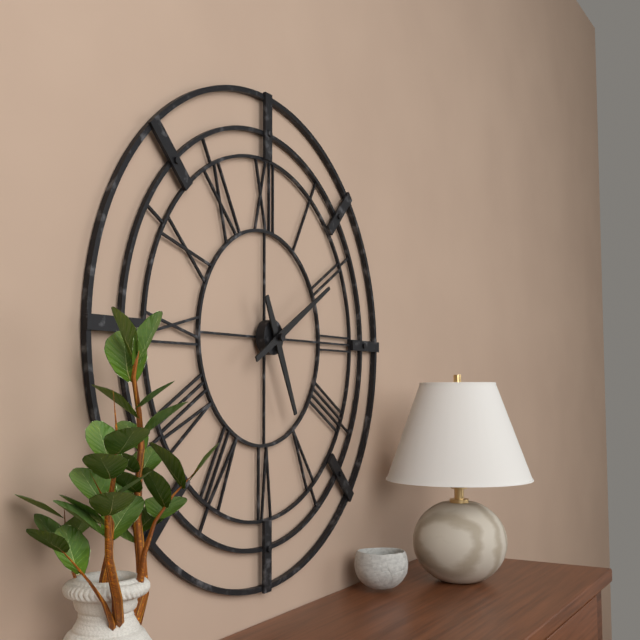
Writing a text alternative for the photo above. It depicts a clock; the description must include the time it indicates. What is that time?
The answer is 5:10
